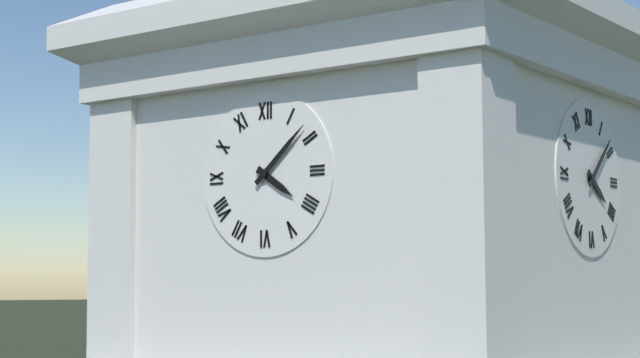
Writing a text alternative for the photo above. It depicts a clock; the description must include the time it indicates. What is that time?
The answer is 4:08
